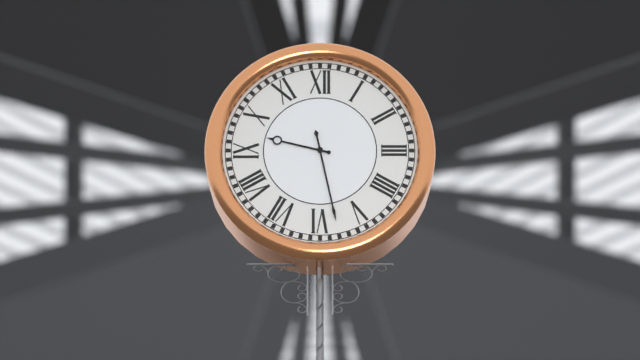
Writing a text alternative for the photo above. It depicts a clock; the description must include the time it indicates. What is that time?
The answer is 9:28
